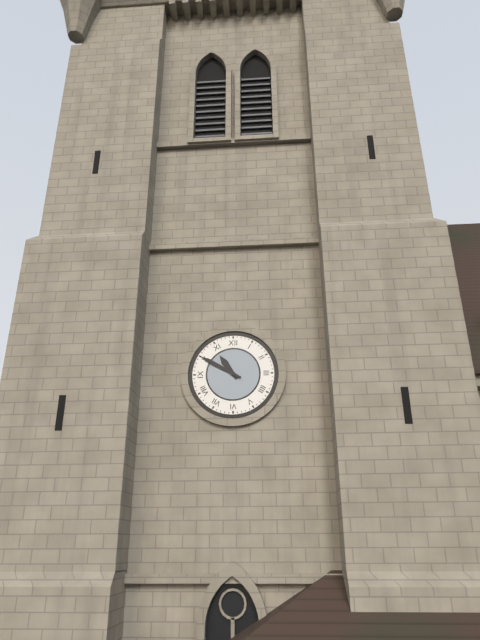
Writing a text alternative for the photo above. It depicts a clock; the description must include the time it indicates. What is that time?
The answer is 10:50
